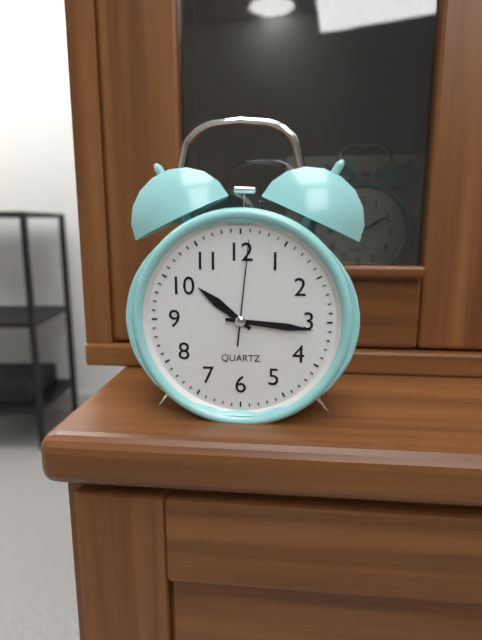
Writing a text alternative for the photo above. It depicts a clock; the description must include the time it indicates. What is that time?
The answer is 10:16:01
